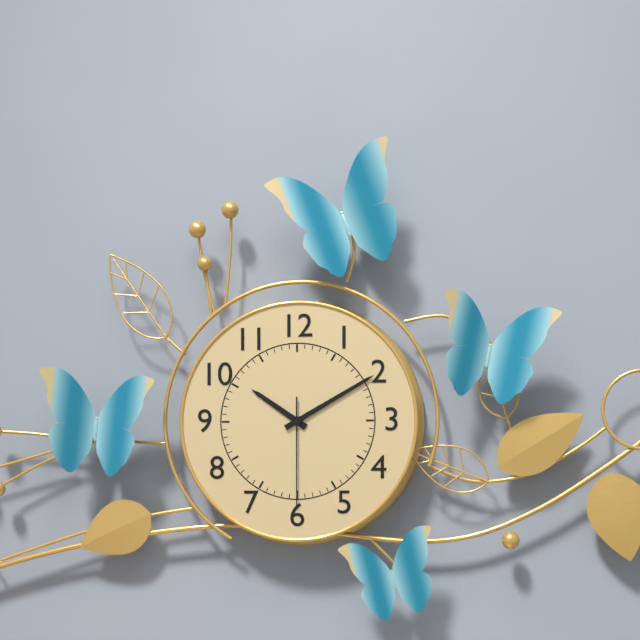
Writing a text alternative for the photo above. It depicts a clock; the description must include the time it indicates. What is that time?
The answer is 10:10:30
